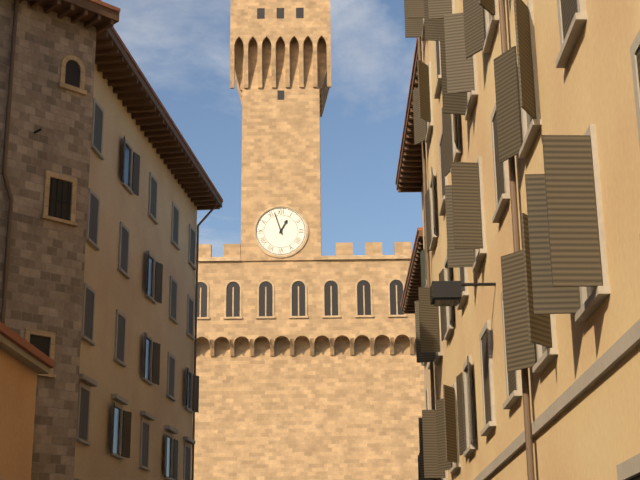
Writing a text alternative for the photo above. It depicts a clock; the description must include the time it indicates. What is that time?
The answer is 12:57
